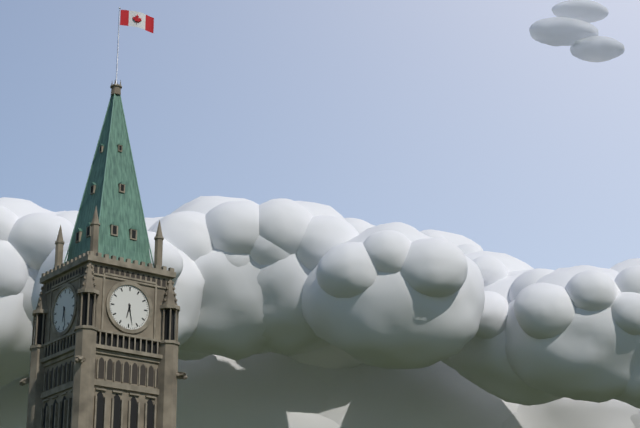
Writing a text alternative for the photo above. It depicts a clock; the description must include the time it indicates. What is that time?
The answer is 6:28
